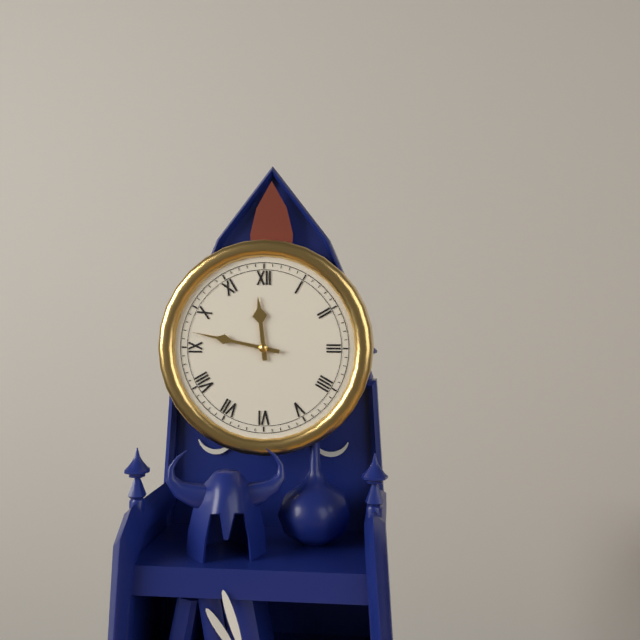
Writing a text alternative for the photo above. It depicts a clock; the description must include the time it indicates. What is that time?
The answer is 11:47
